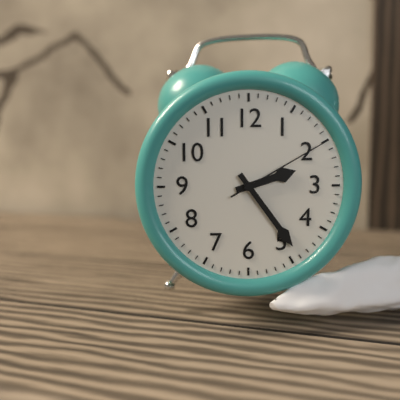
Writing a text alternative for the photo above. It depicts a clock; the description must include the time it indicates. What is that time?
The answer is 2:24:10
